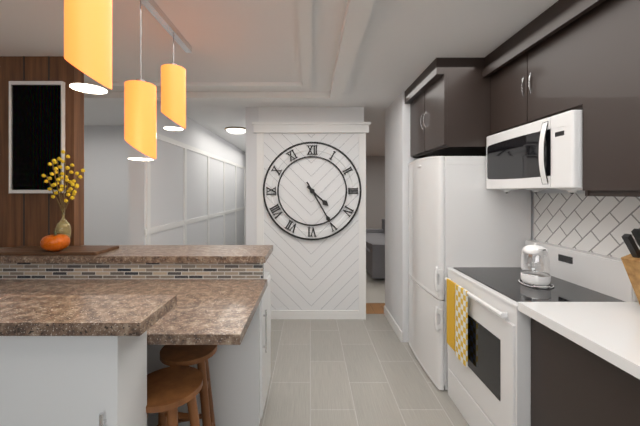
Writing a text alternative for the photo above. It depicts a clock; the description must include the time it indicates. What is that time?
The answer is 4:25
